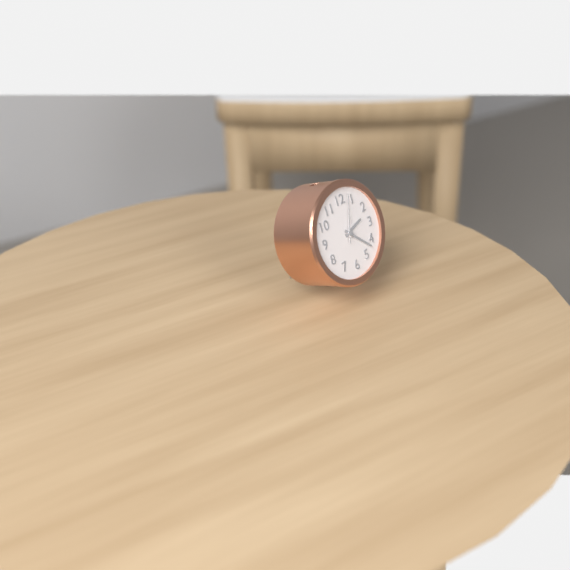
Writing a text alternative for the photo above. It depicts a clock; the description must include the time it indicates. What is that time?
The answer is 2:22
